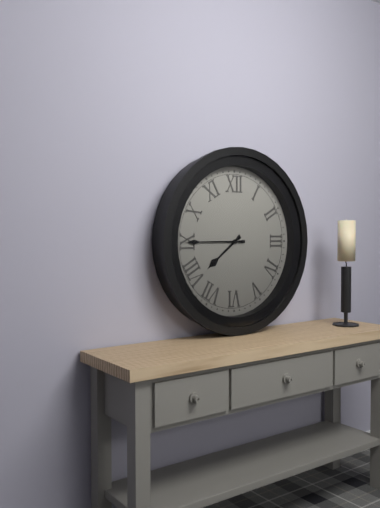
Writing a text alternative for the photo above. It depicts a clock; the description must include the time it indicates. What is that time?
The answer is 7:45
